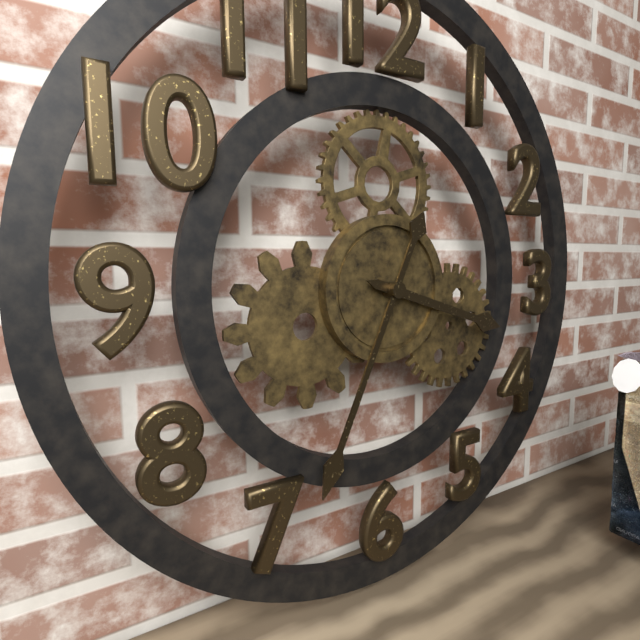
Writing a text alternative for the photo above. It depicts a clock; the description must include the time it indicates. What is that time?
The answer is 3:34
